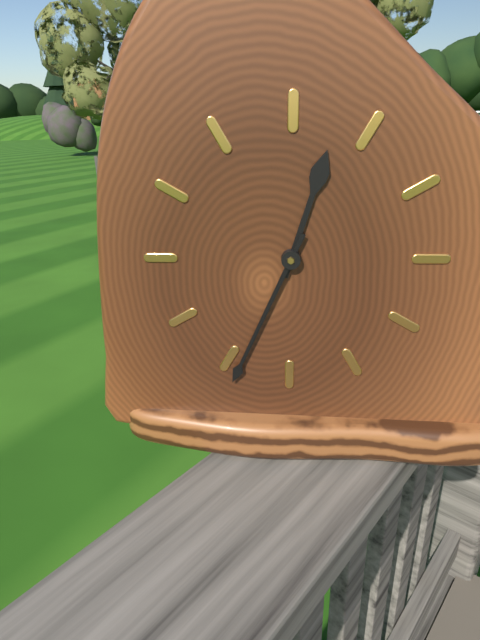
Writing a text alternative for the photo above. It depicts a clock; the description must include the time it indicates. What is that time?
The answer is 12:34
